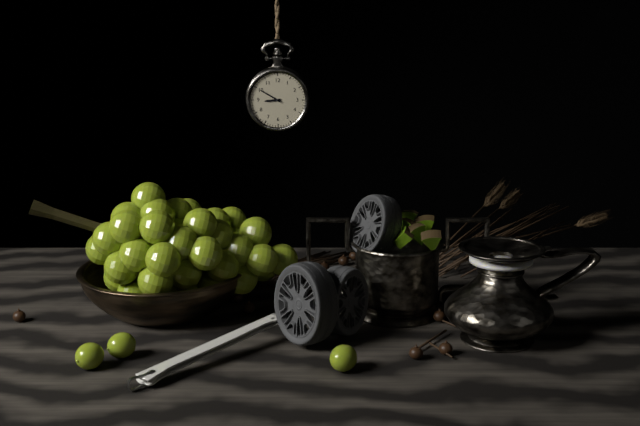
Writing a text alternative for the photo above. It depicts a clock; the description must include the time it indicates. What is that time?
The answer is 8:50
